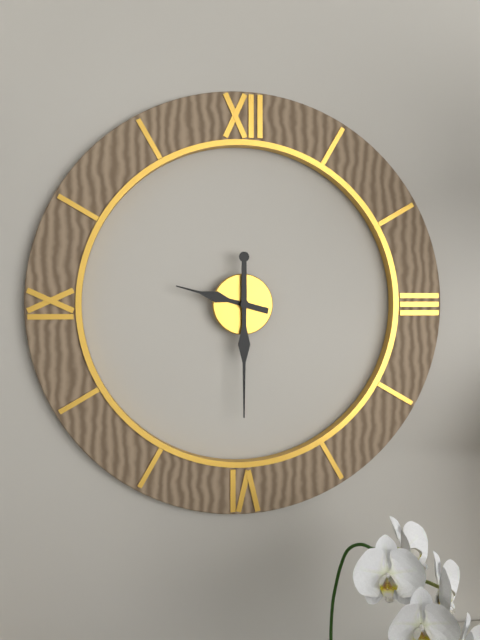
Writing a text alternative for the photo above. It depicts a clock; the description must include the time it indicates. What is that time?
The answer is 9:30
